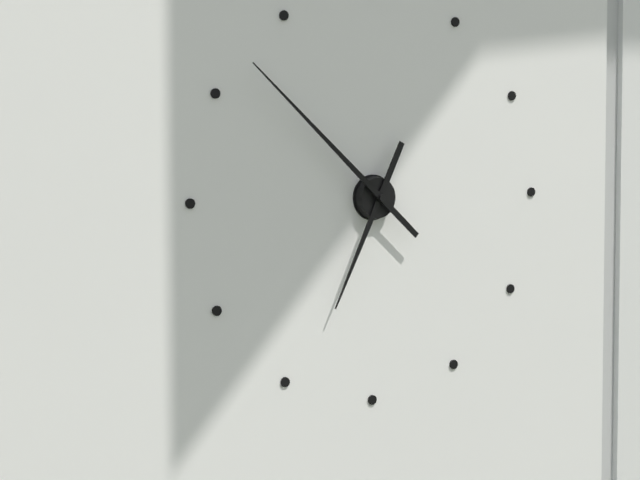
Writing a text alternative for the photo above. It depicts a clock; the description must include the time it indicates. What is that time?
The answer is 6:52
